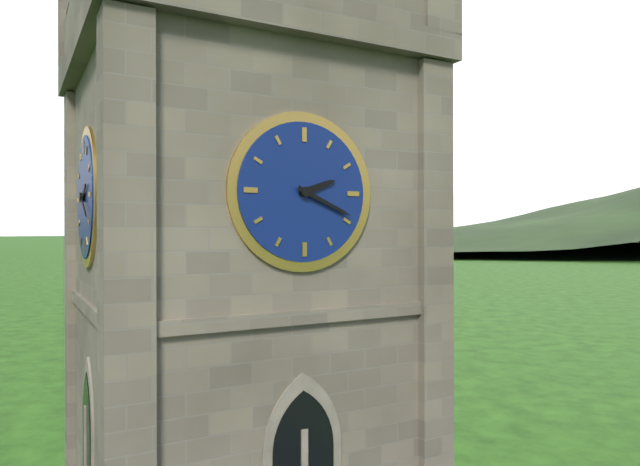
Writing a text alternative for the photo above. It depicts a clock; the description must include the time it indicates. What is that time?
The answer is 2:19
